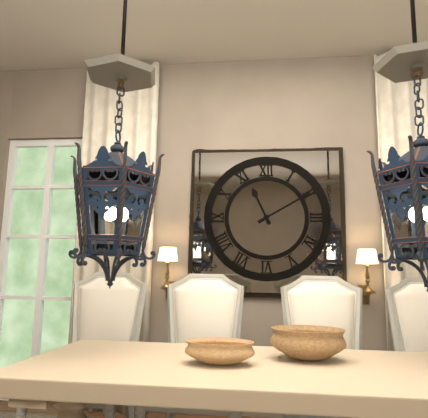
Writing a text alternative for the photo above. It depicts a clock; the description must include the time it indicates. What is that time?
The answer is 11:10
